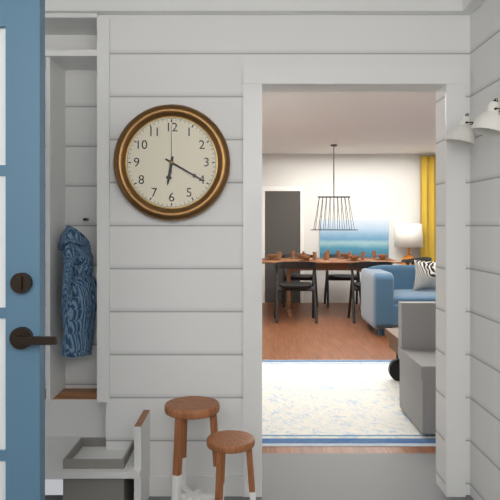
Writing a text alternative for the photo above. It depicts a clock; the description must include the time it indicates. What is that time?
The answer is 6:20:00
